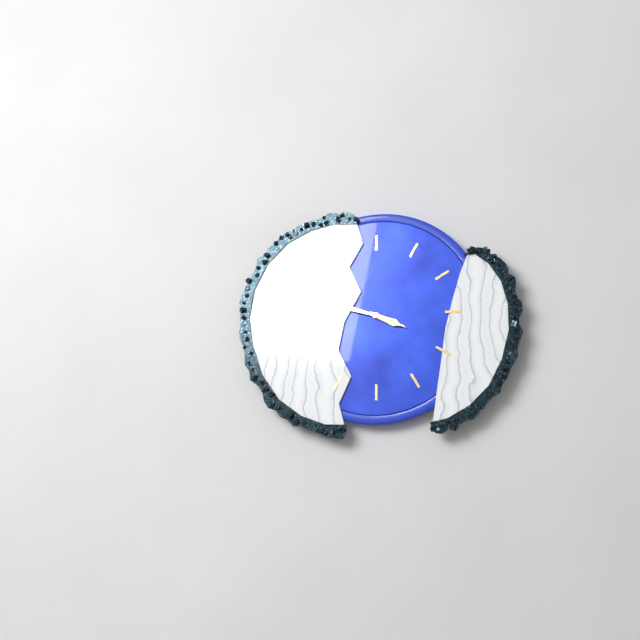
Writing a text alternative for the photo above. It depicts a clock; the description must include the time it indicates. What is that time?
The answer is 3:48
